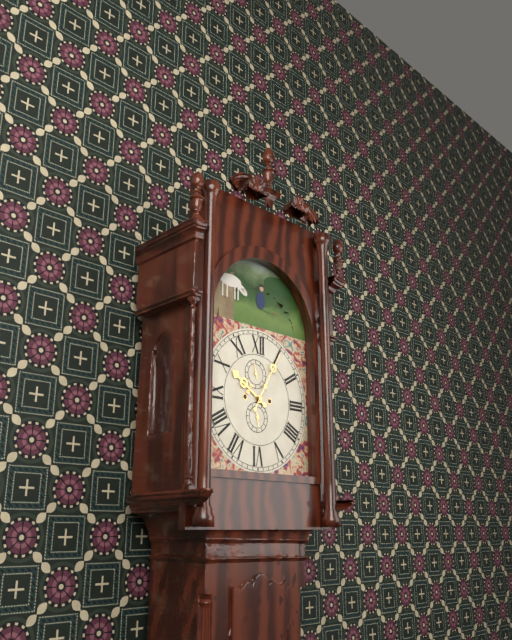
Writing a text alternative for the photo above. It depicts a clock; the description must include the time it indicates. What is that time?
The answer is 10:05
